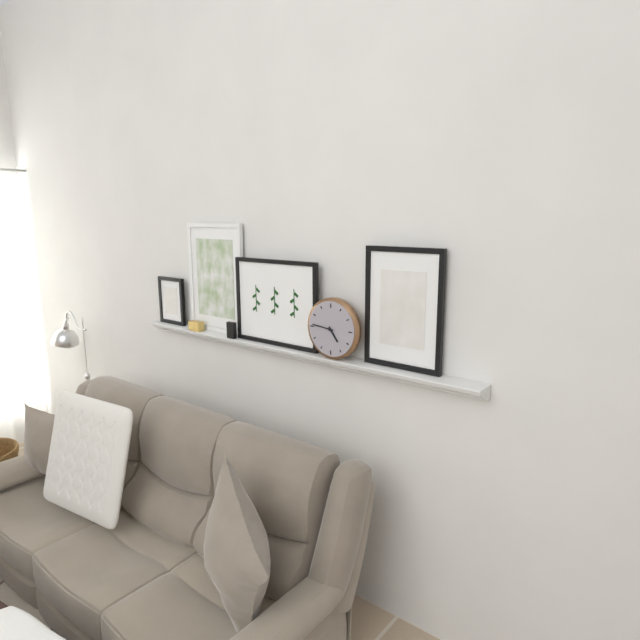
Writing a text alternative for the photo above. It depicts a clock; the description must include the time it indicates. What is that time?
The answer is 4:46
